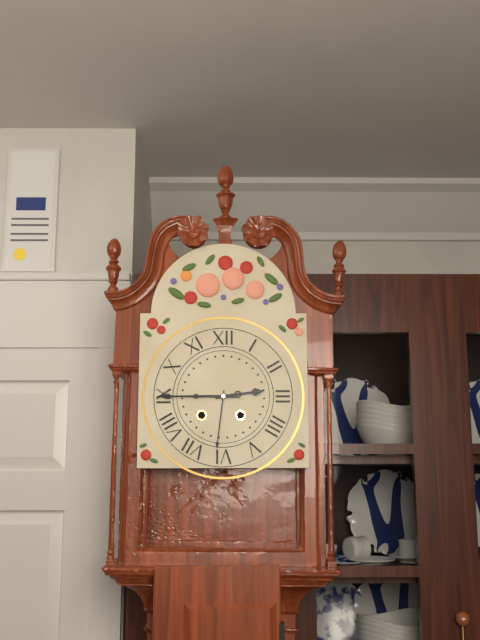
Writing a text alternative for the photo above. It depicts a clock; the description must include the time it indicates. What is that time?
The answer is 2:45
